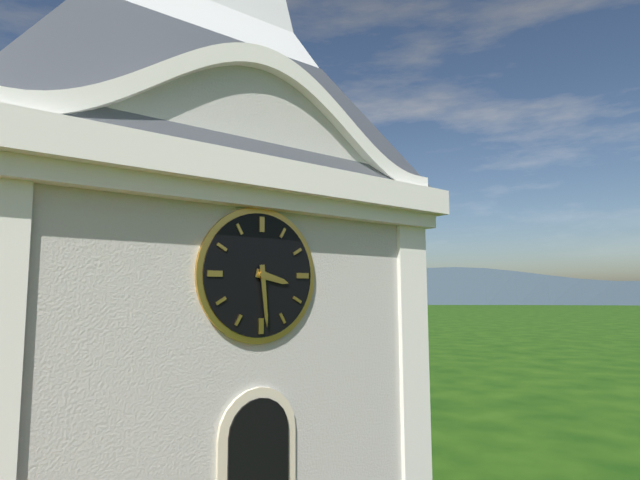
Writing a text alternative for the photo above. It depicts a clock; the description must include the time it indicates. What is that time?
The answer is 3:29
